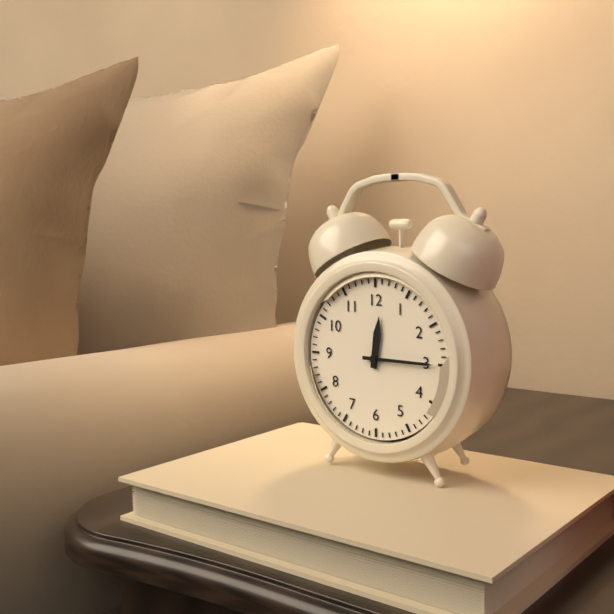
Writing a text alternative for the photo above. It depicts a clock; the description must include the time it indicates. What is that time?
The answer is 12:15
